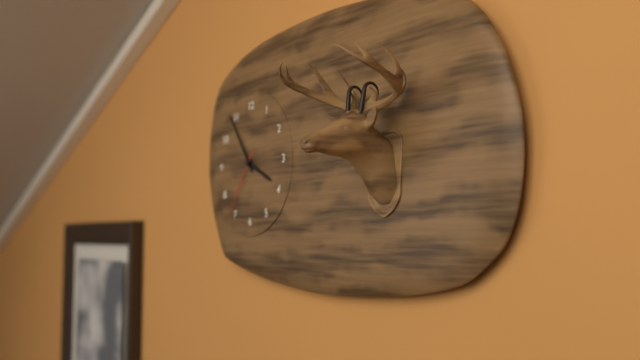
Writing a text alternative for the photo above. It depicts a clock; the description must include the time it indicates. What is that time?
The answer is 3:54:36
